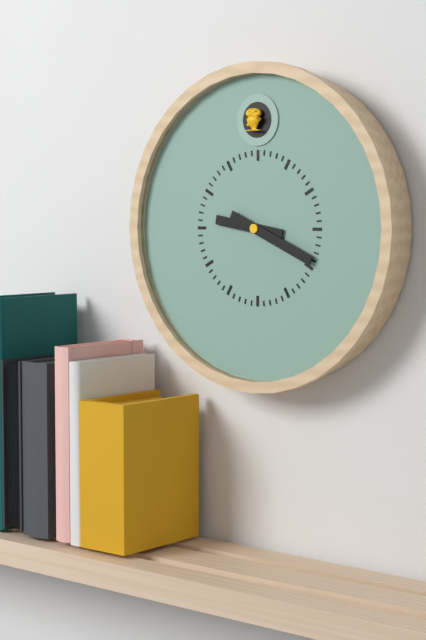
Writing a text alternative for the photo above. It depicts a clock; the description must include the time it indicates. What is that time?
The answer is 9:19
